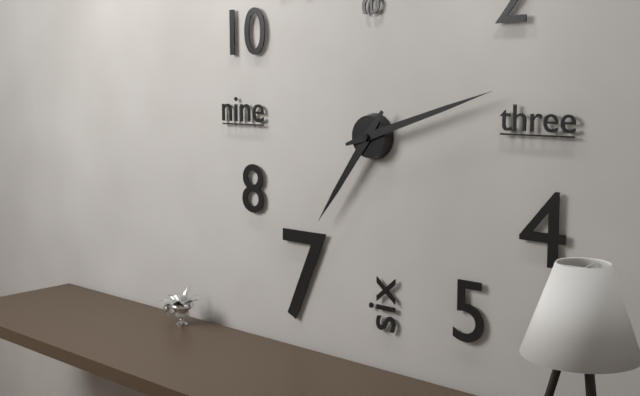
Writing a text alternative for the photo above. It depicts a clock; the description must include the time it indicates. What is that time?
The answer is 7:12
